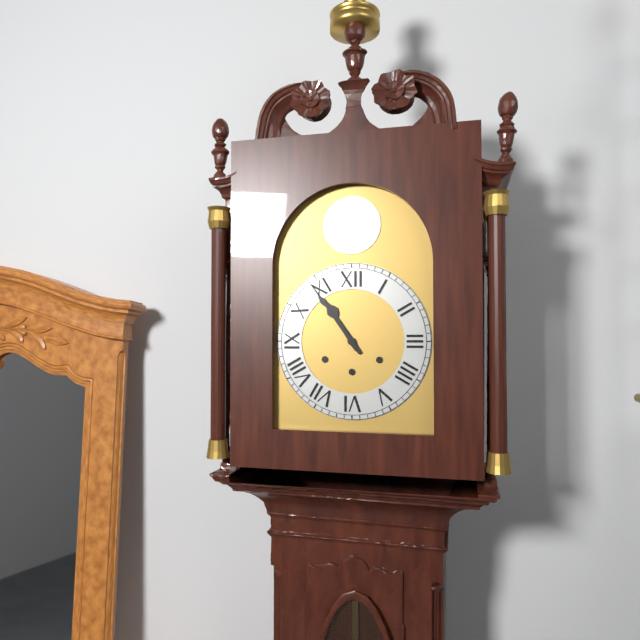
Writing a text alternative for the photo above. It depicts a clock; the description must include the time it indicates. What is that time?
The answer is 10:54
